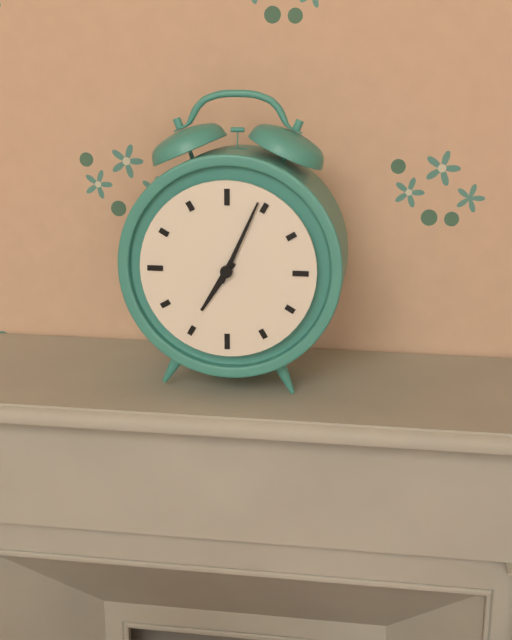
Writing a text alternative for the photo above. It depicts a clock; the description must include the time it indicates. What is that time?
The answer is 7:04
